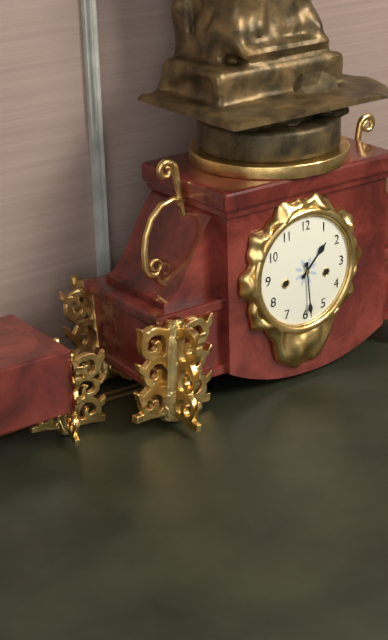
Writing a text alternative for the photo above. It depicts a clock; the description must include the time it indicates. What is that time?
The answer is 1:29
